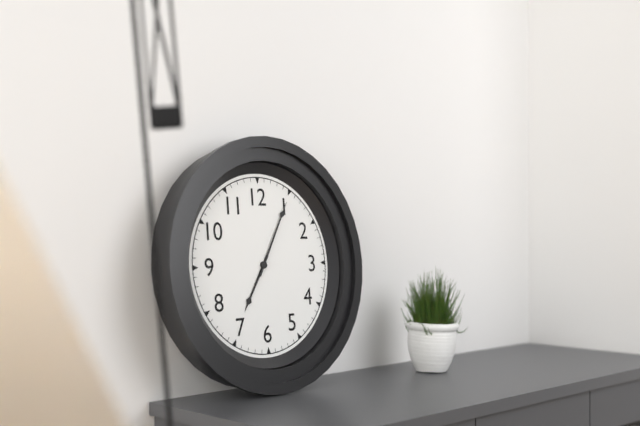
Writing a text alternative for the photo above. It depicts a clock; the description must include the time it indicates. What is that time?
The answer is 7:05
